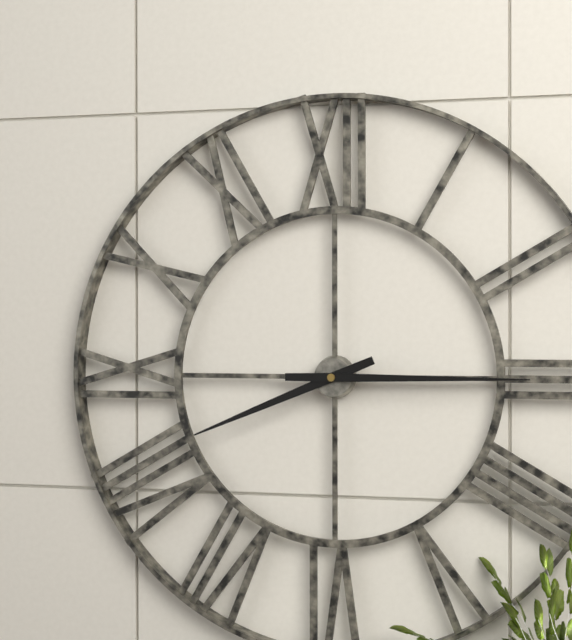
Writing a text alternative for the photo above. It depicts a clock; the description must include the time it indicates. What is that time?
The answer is 8:15
